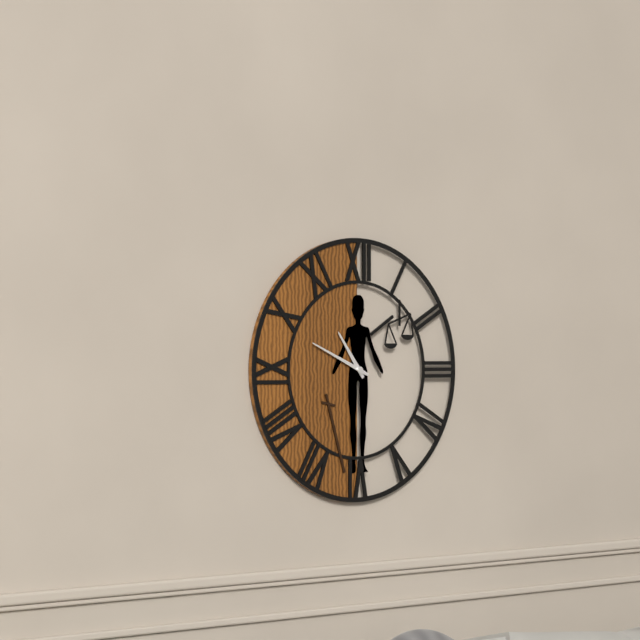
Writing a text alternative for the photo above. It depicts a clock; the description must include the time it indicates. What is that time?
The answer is 10:49
